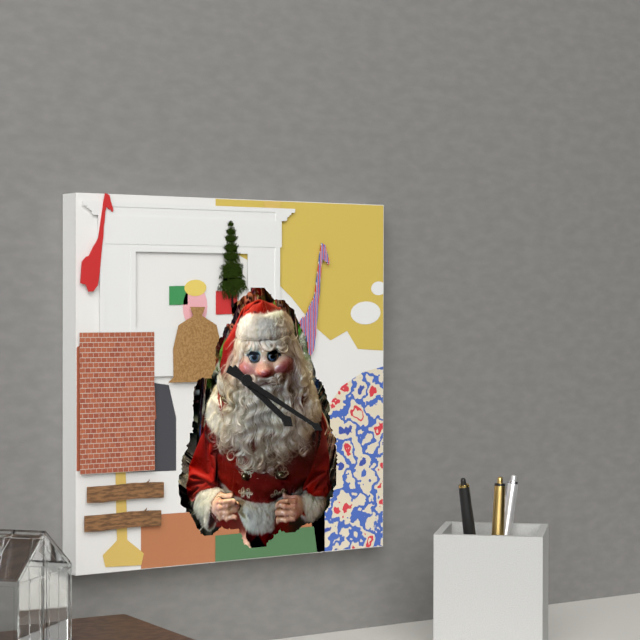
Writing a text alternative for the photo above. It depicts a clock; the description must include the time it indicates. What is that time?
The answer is 4:20
